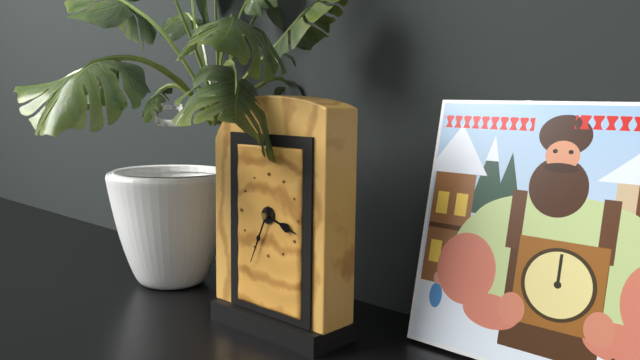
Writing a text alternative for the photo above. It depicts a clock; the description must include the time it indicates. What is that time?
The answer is 3:34
